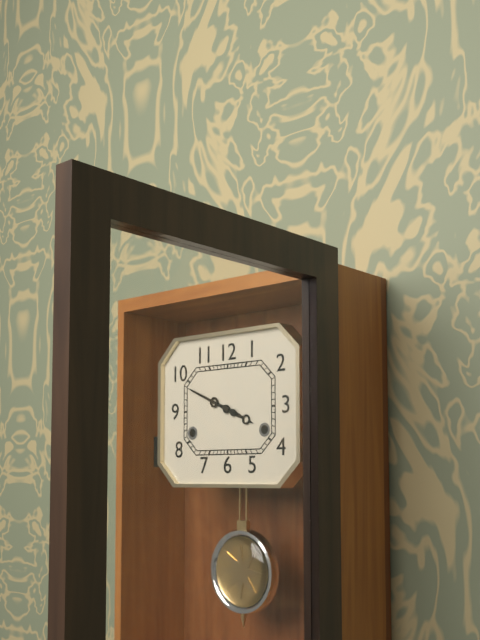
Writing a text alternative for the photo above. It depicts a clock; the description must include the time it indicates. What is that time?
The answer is 3:49
